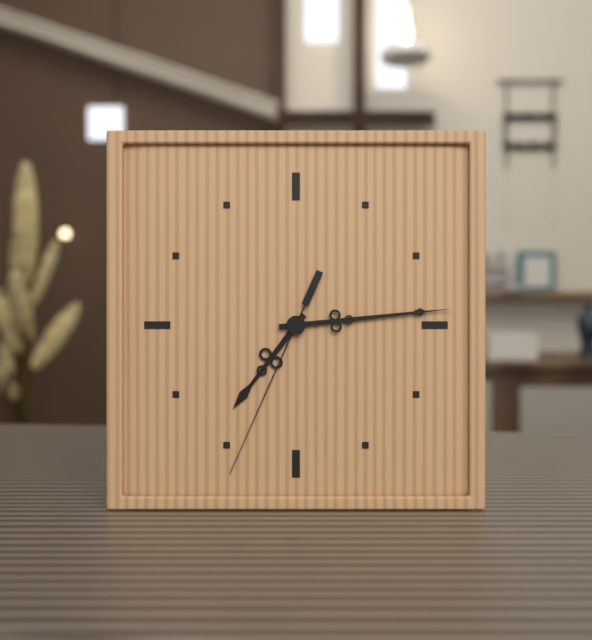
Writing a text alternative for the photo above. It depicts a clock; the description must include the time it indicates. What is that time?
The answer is 7:14:34
